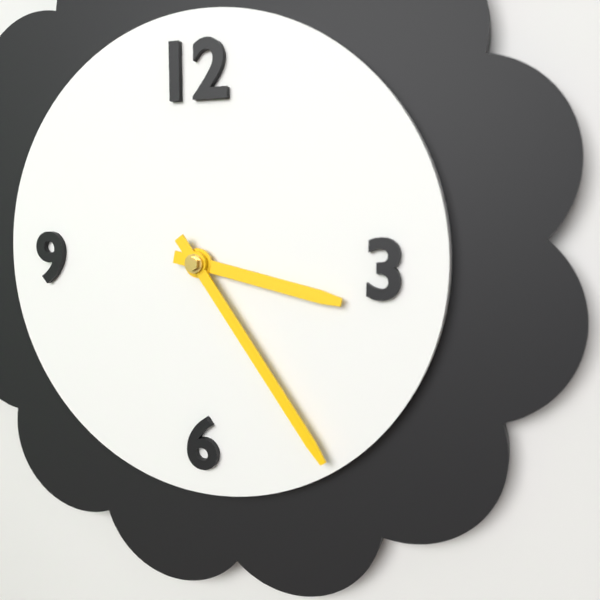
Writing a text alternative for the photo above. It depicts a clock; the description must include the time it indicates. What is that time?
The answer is 3:24
